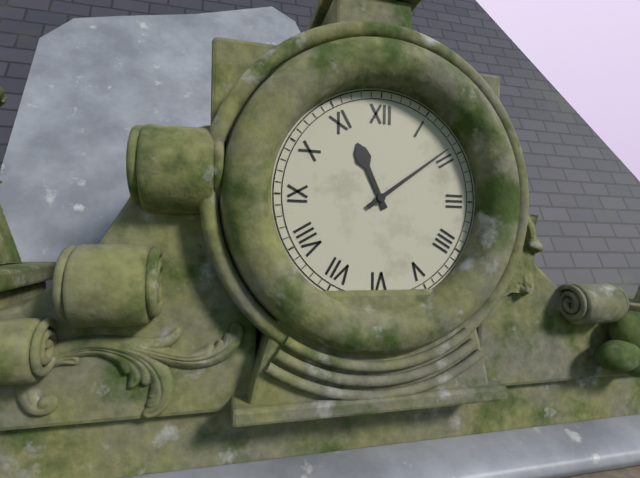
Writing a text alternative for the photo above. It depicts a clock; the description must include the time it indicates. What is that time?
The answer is 11:09
